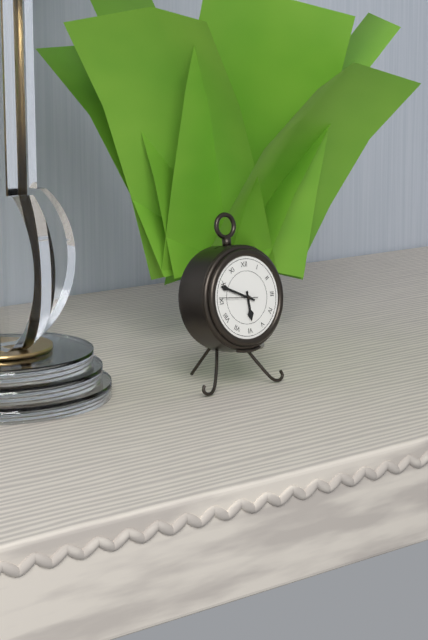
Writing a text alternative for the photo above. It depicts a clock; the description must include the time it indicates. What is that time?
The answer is 5:49
